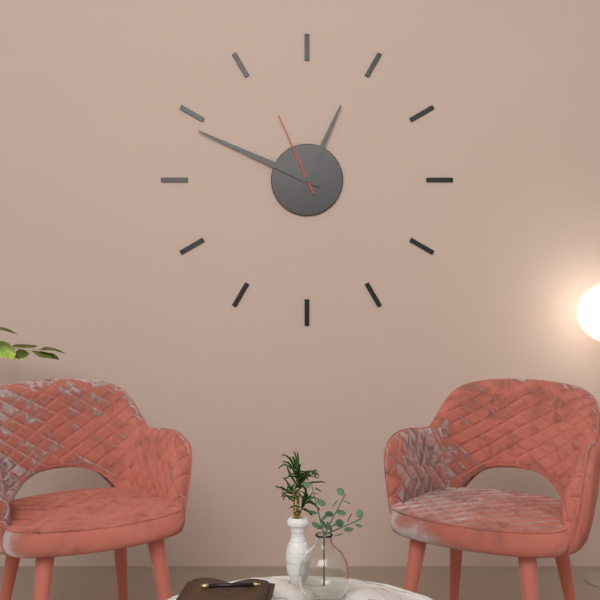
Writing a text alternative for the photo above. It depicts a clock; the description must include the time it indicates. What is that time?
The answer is 12:49:56
